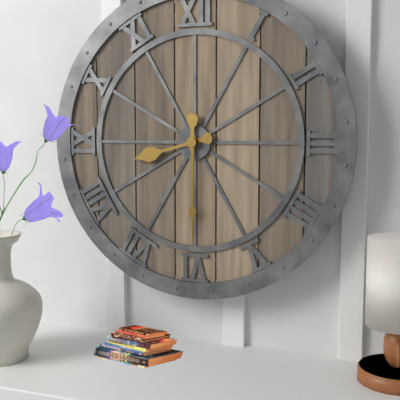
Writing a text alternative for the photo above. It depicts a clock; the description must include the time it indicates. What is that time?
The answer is 8:30
